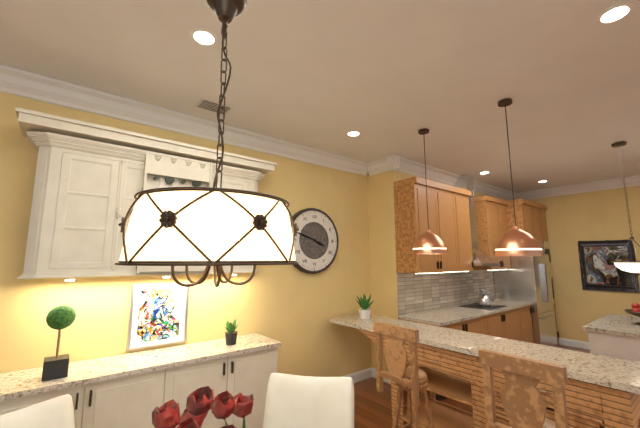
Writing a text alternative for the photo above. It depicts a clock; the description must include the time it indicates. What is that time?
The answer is 3:48
